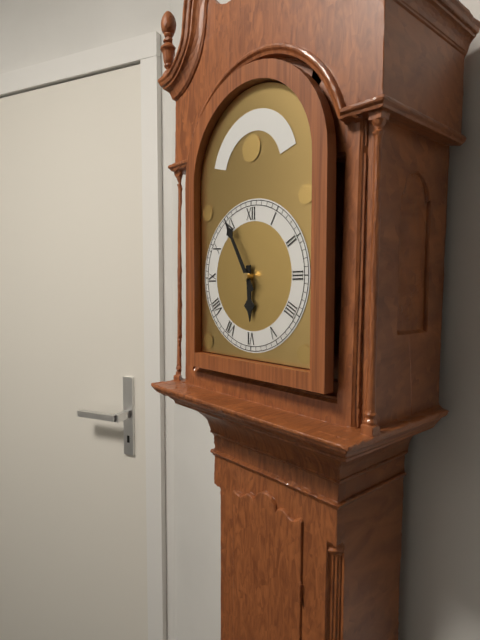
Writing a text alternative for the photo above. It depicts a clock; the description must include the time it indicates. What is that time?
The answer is 5:55
